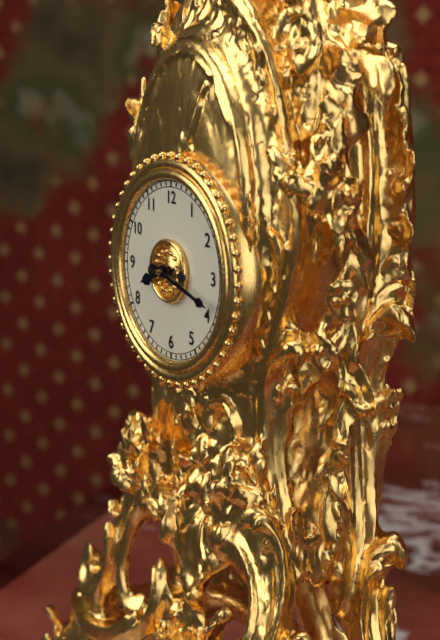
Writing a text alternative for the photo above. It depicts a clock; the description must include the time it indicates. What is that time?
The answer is 8:18
